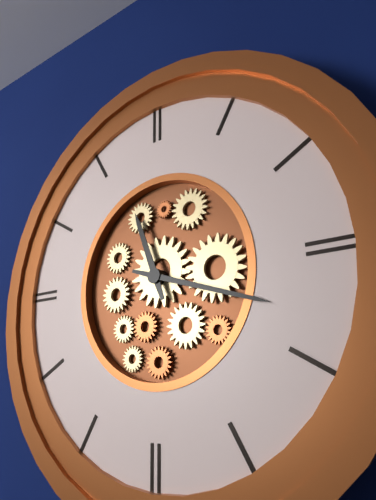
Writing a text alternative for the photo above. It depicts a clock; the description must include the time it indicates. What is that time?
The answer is 11:18
